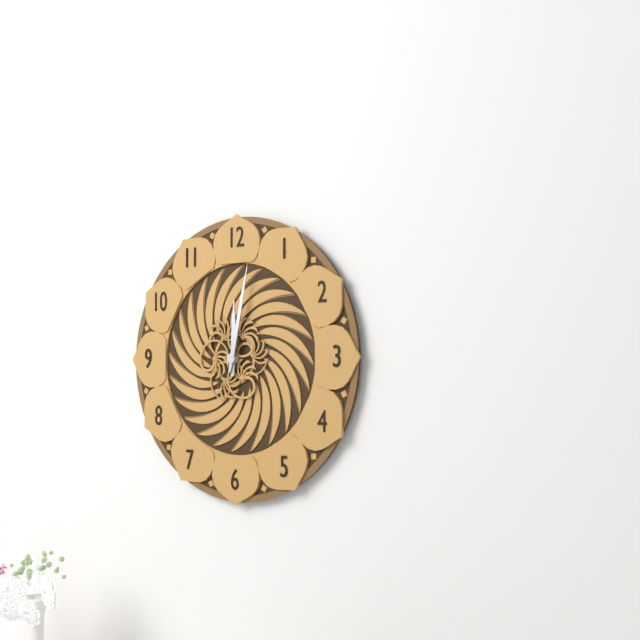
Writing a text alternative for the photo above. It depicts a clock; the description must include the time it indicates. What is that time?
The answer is 12:02
